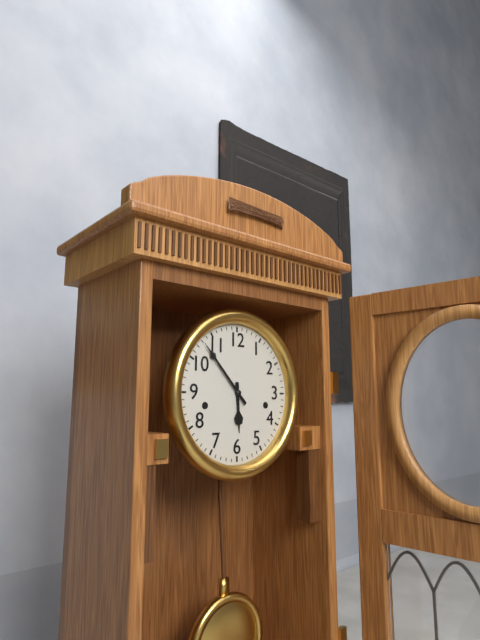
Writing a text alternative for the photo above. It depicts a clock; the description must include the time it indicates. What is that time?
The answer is 5:53
